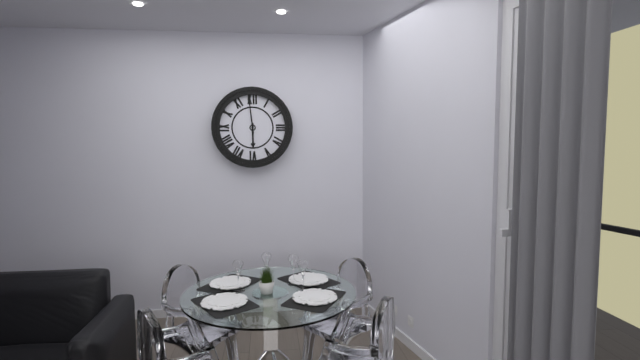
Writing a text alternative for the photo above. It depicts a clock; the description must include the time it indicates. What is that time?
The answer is 5:59
